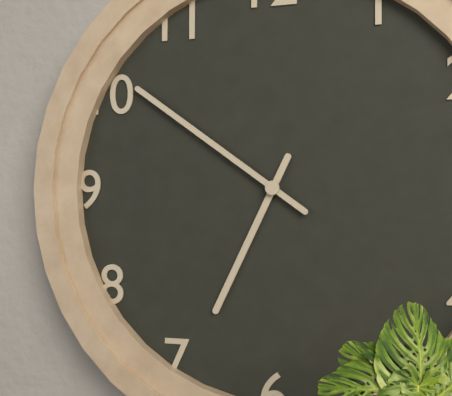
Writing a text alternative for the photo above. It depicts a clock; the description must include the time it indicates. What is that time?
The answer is 6:51
